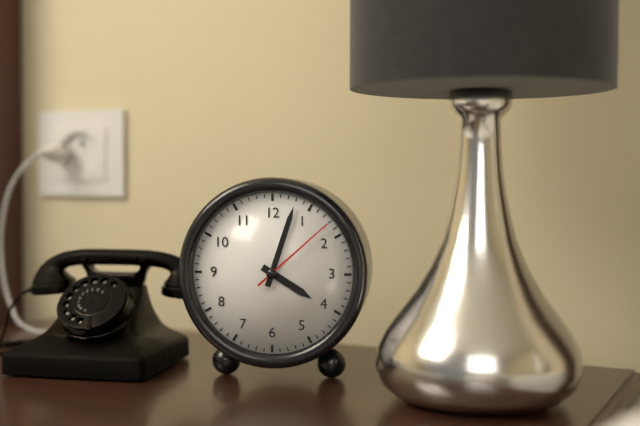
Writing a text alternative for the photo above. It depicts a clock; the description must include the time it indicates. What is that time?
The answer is 4:03:08
